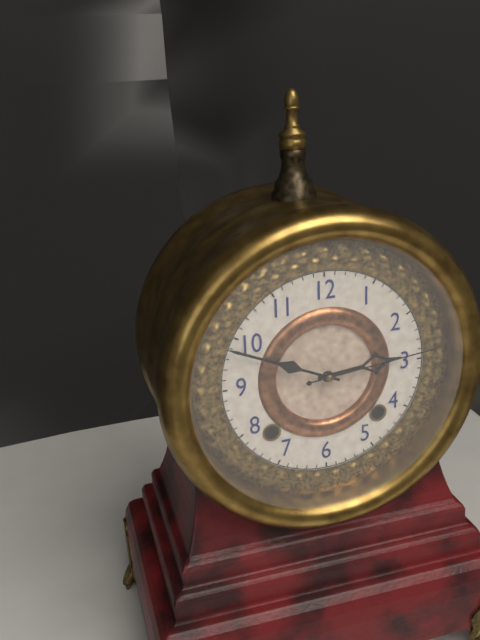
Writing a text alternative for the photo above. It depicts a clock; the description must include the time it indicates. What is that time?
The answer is 2:49:14
